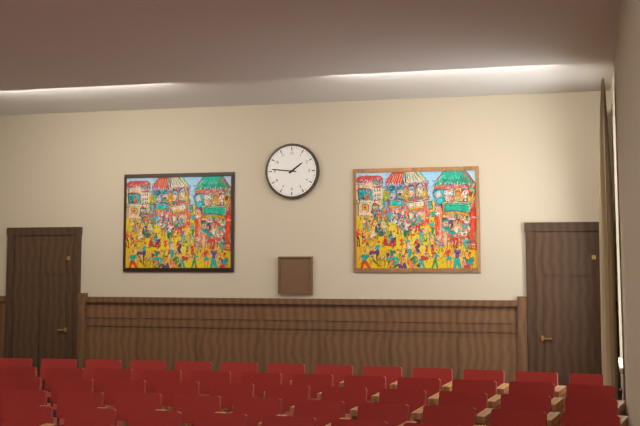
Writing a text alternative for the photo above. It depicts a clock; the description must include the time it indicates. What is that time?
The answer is 1:46
